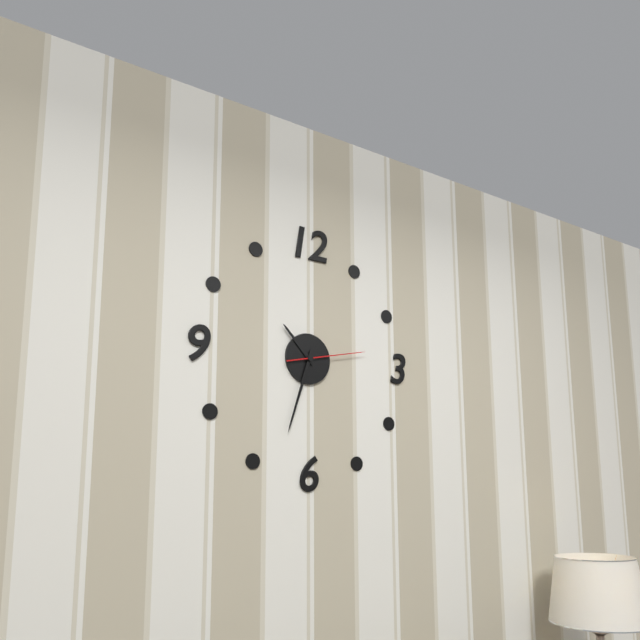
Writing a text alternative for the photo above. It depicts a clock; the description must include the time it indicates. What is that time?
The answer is 10:33:13
